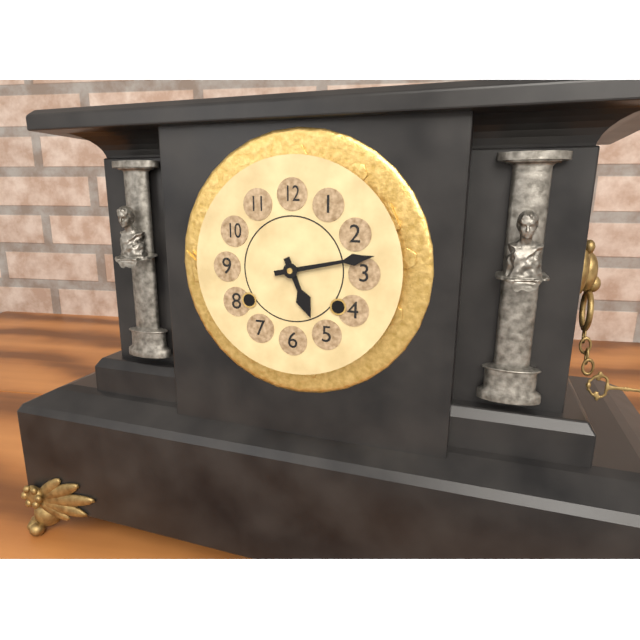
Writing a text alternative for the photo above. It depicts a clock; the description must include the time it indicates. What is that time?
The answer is 5:13
